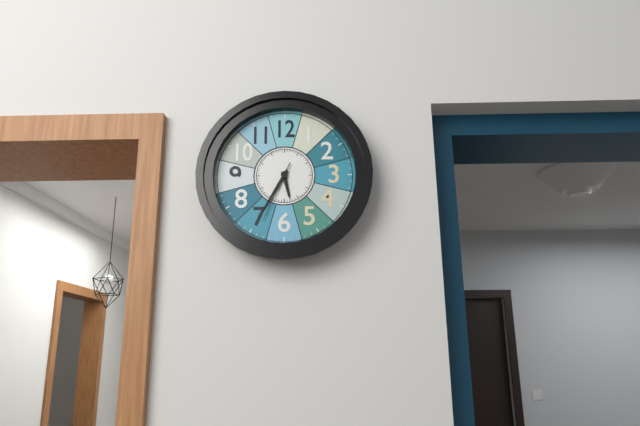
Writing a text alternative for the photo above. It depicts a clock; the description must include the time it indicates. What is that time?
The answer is 5:35:34
